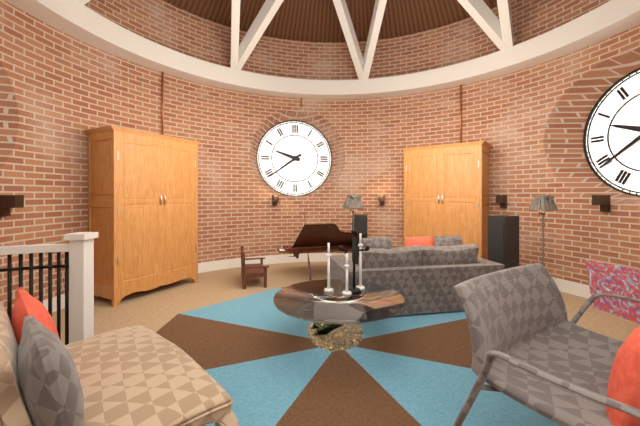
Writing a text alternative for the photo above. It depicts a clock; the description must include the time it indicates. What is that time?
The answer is 9:39
